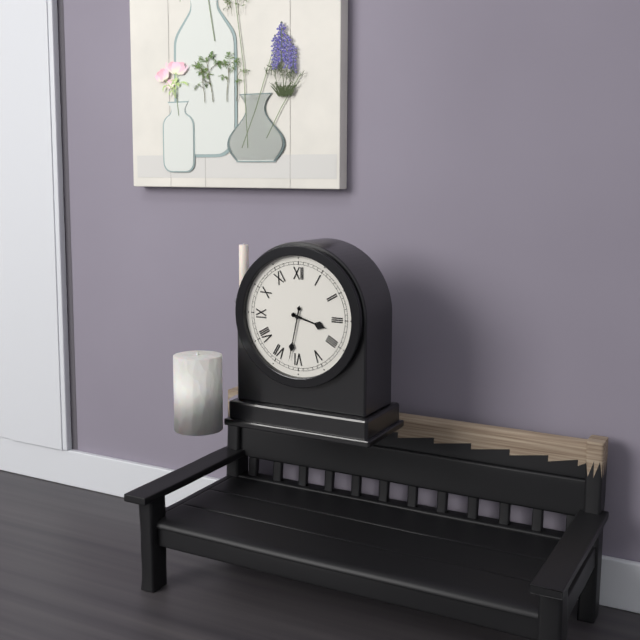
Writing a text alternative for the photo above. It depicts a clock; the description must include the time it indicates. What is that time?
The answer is 3:32
